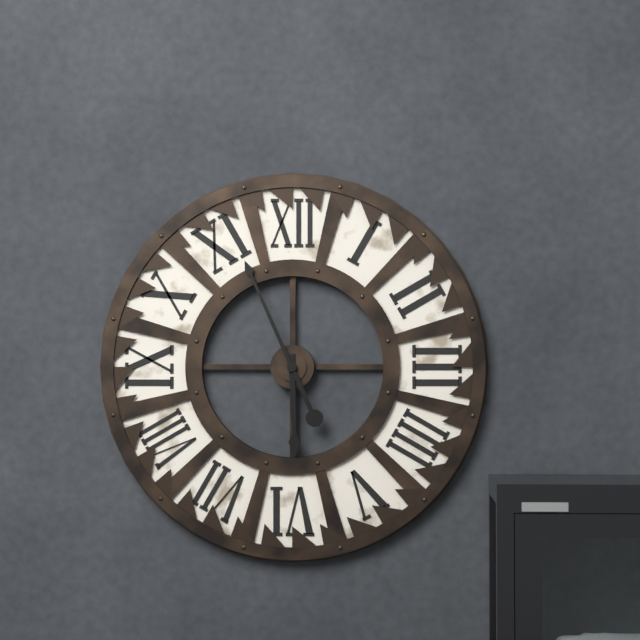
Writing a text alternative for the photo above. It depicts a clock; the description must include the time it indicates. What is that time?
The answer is 5:56
